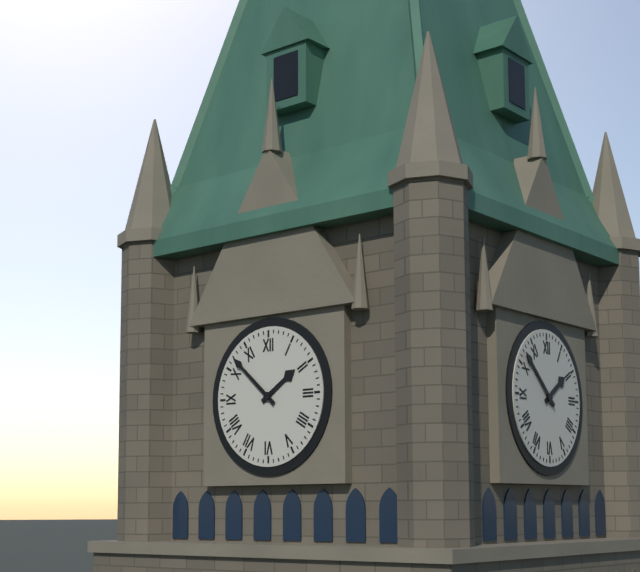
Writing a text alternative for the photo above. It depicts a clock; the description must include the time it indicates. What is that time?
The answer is 1:52
